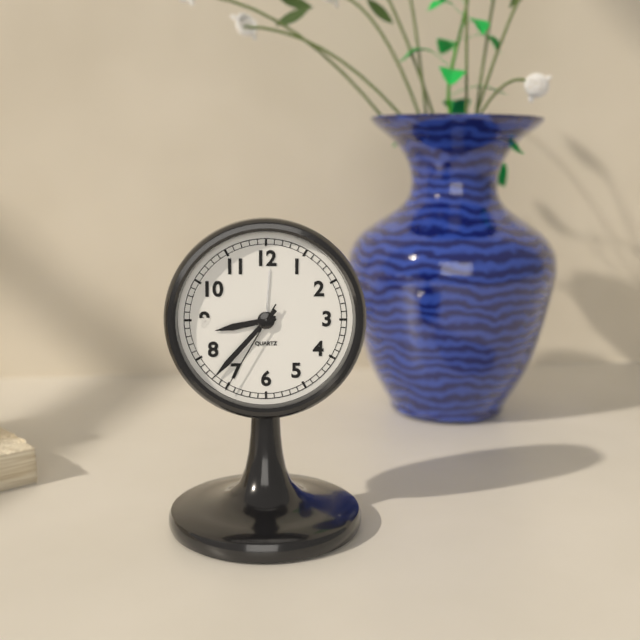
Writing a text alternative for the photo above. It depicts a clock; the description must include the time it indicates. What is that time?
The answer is 8:37:35
